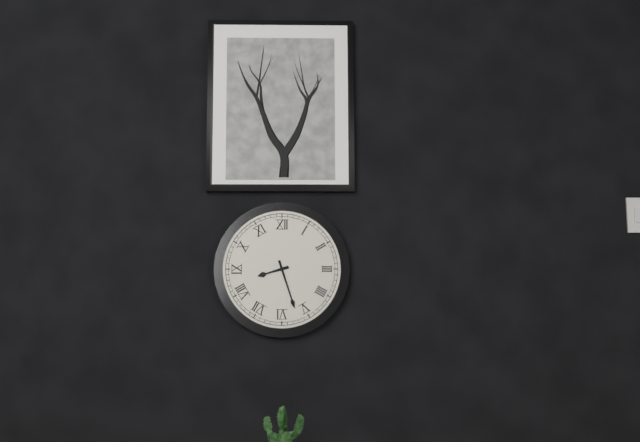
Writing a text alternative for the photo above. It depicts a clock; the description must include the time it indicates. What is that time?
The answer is 8:27
